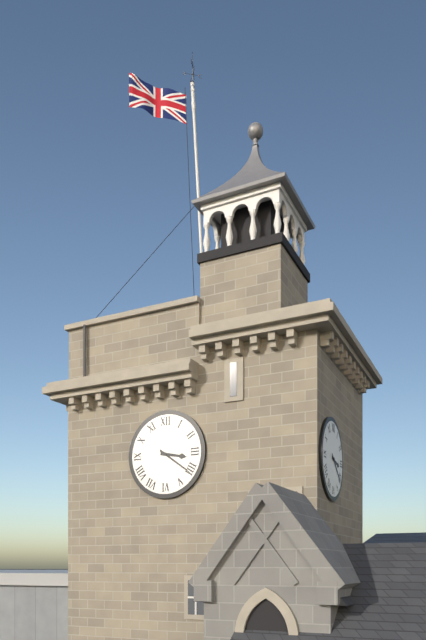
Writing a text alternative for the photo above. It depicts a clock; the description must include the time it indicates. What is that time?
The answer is 3:21
